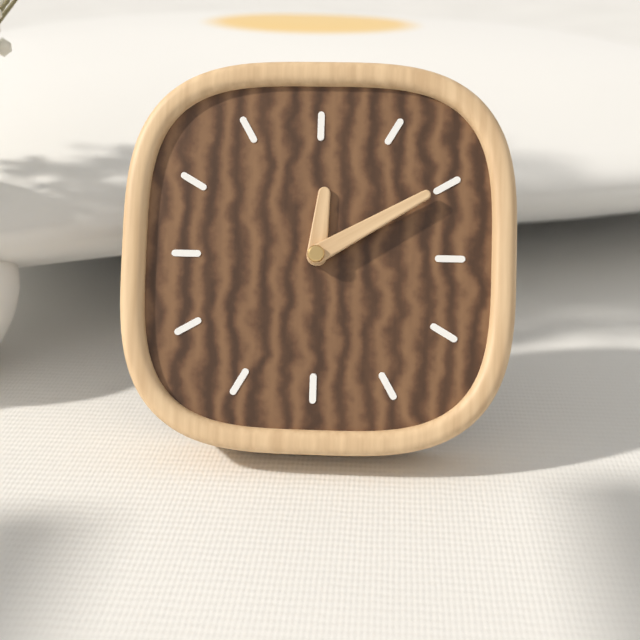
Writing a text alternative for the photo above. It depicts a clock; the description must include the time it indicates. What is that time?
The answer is 12:10
